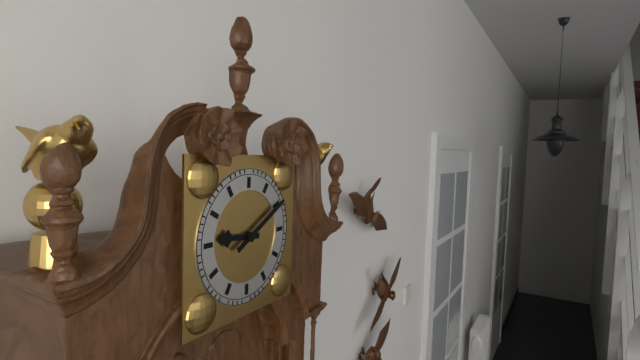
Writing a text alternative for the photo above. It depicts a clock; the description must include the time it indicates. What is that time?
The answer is 9:10
